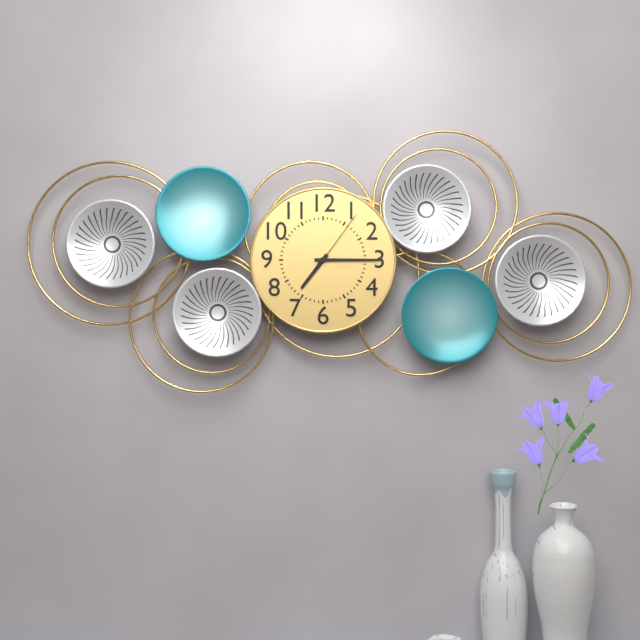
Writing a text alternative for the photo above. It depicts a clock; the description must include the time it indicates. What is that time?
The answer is 7:15:06
